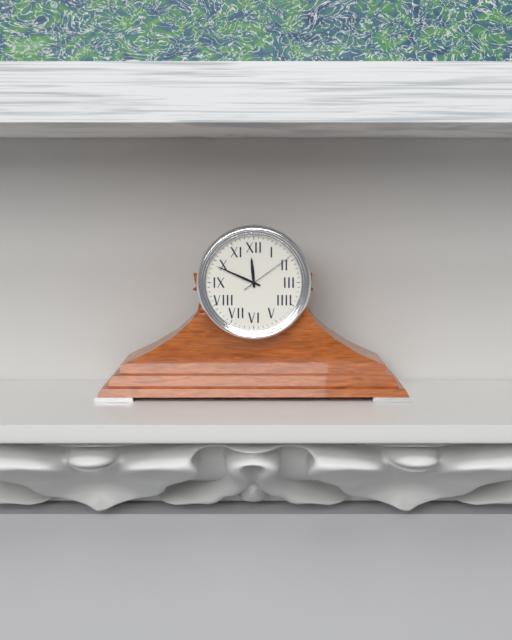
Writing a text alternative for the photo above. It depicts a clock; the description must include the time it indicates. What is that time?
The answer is 11:49:09
